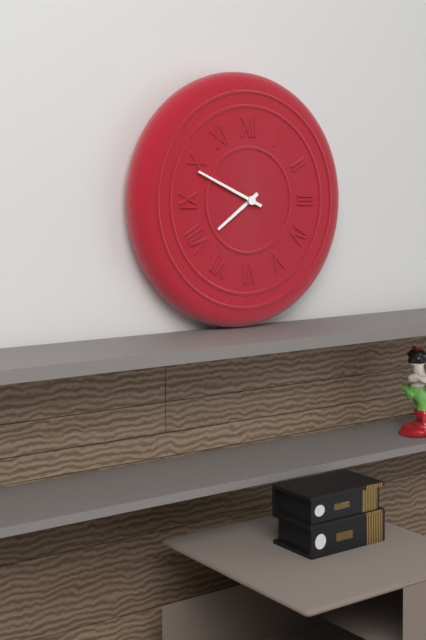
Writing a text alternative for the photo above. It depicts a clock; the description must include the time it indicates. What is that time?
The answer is 7:49
